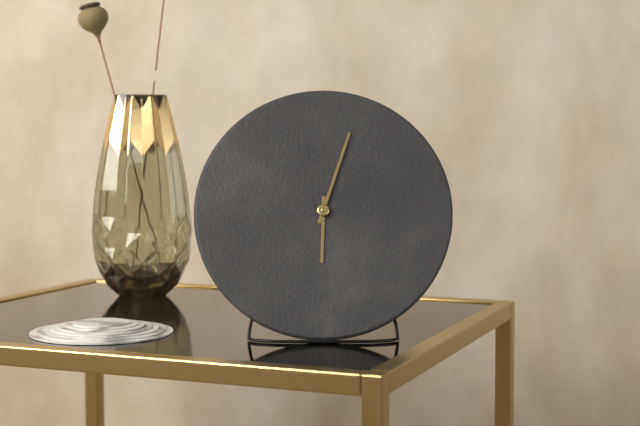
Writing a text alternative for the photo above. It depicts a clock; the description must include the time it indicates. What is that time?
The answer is 6:03
